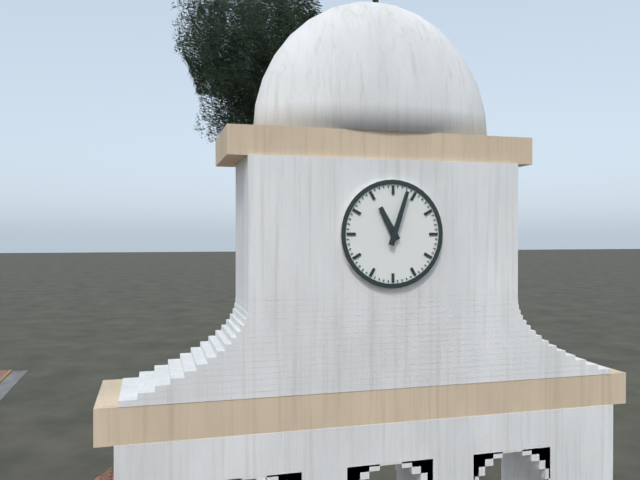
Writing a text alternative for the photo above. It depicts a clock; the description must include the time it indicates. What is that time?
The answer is 11:03
